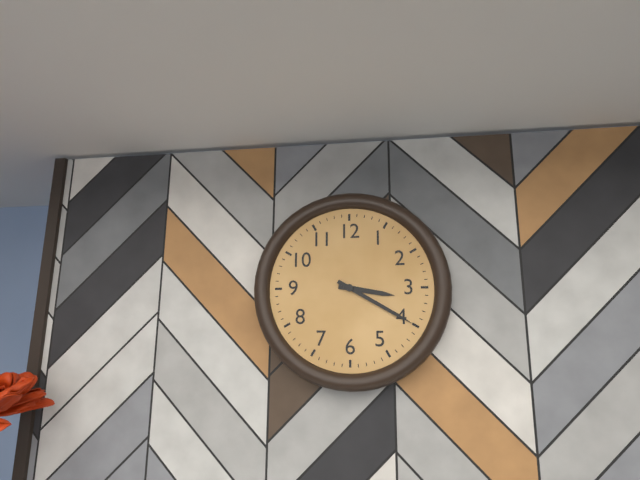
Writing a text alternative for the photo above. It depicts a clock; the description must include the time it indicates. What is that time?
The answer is 3:20
